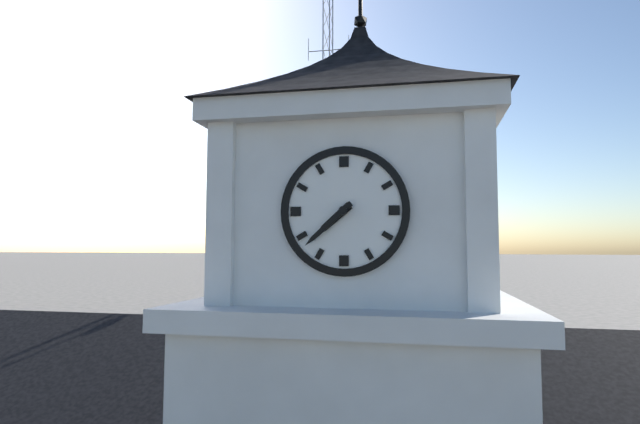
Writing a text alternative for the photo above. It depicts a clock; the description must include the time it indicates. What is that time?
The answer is 7:38
